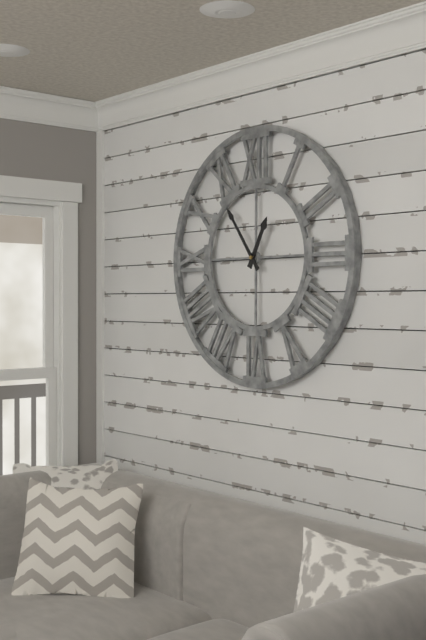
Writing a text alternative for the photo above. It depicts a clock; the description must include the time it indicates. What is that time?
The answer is 12:54
